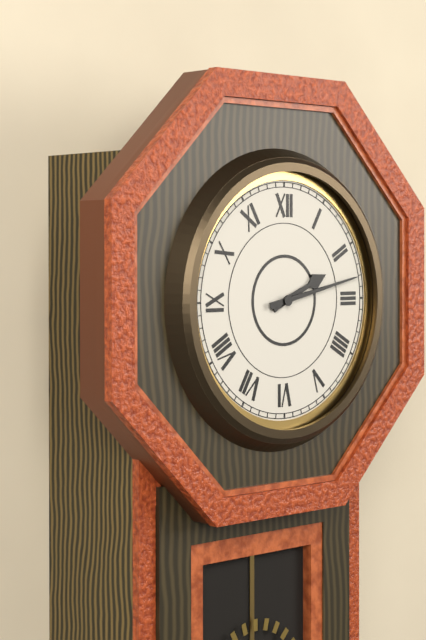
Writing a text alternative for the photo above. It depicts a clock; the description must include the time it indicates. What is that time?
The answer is 2:13
